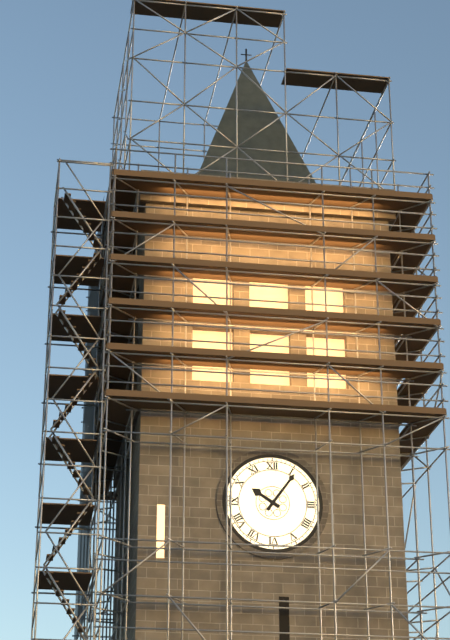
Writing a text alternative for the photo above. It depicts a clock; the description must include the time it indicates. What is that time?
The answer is 10:06
